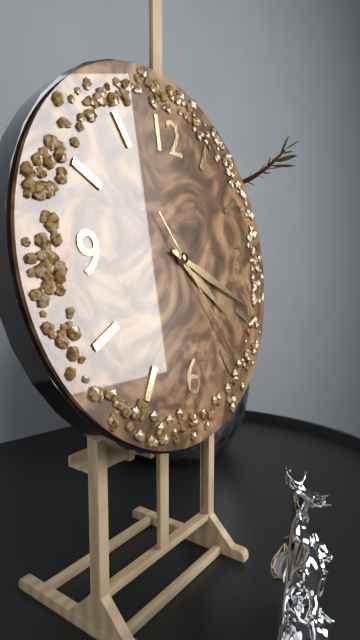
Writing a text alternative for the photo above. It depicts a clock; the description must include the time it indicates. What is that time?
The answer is 4:19:24
